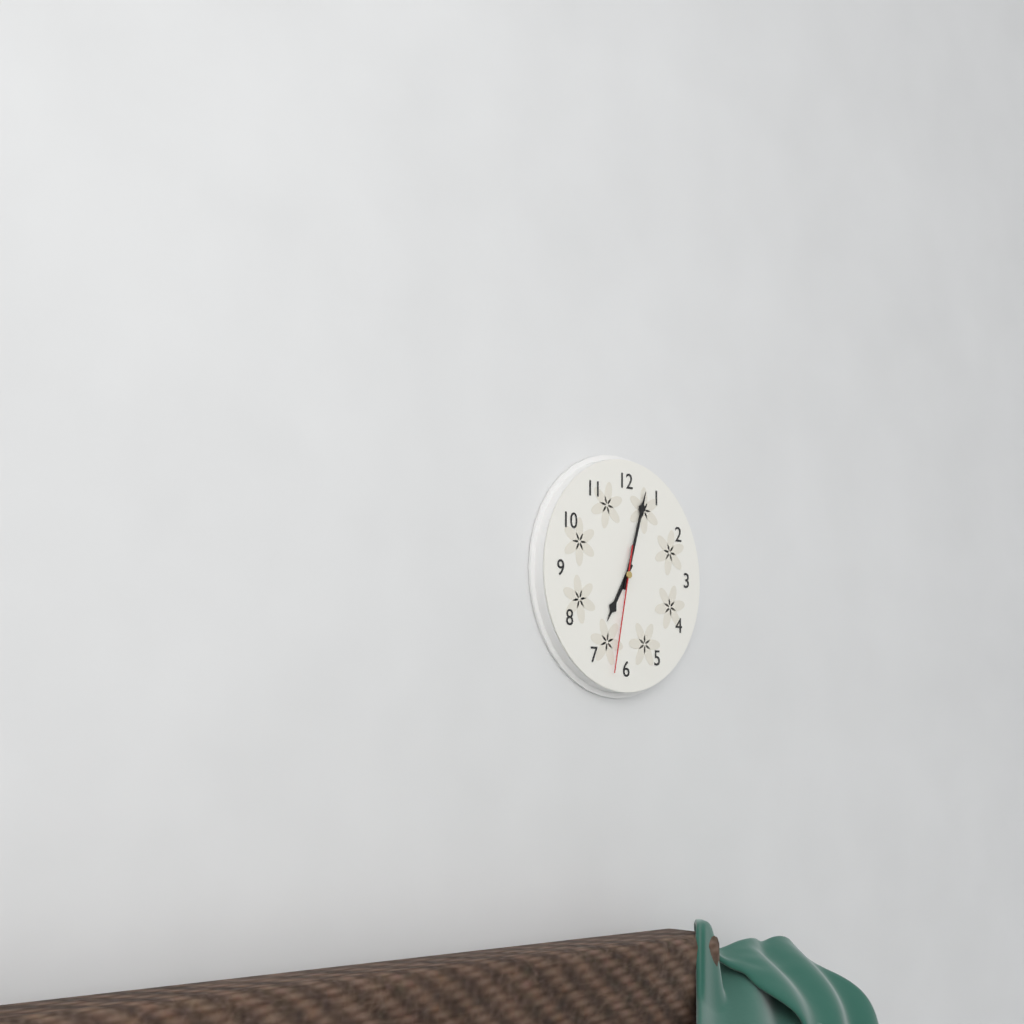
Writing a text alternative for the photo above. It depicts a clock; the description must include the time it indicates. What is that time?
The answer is 7:03:32
